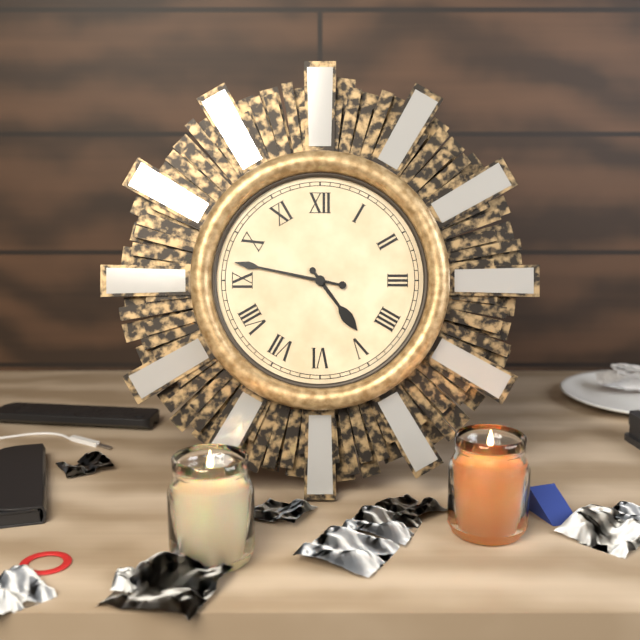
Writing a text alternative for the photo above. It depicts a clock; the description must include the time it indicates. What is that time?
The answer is 4:47
